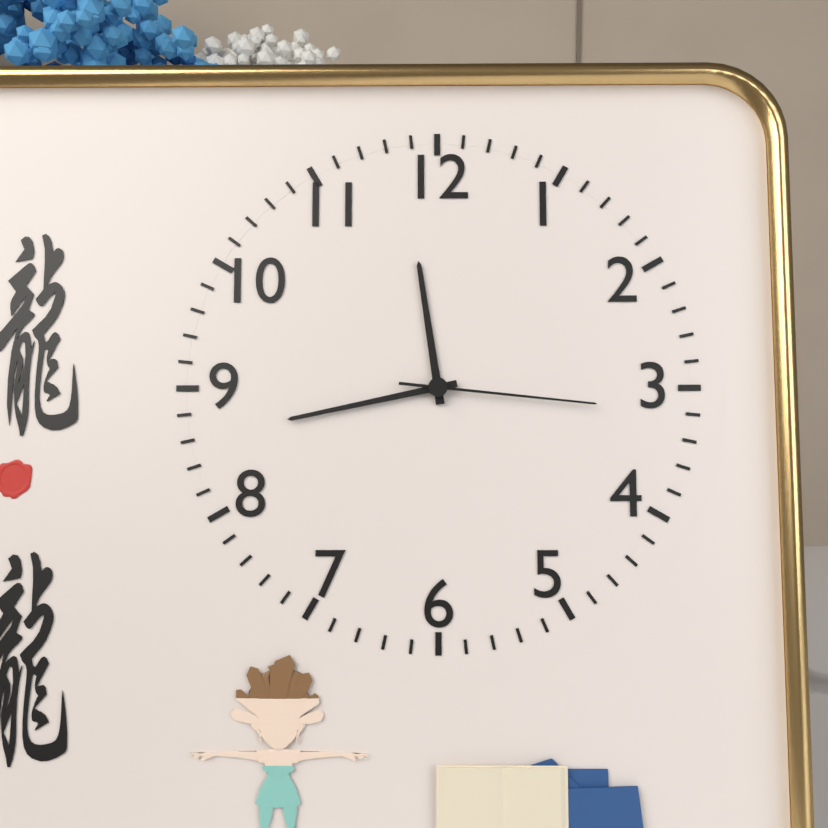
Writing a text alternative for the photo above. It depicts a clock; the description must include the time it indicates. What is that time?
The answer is 11:43:16
